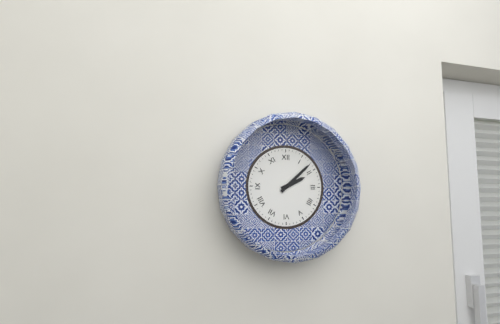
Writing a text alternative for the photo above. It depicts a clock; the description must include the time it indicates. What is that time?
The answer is 2:08
